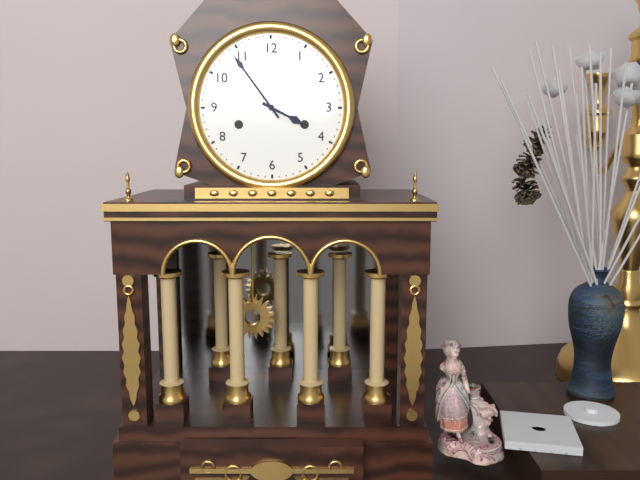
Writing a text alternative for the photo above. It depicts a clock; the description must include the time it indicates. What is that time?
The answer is 3:54
